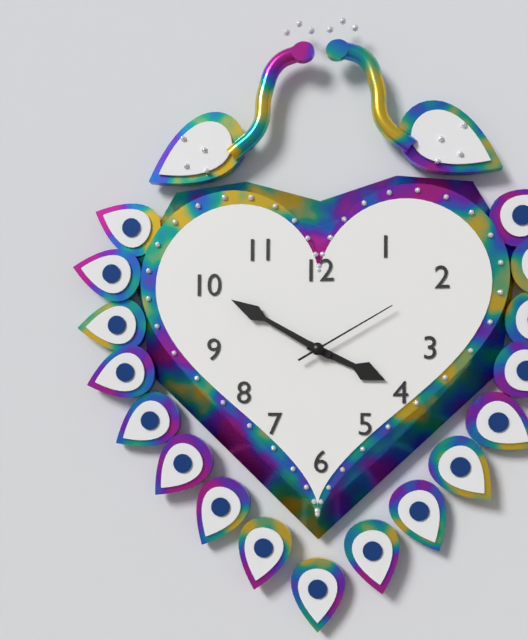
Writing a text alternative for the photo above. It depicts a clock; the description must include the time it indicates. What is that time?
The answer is 3:50:10
